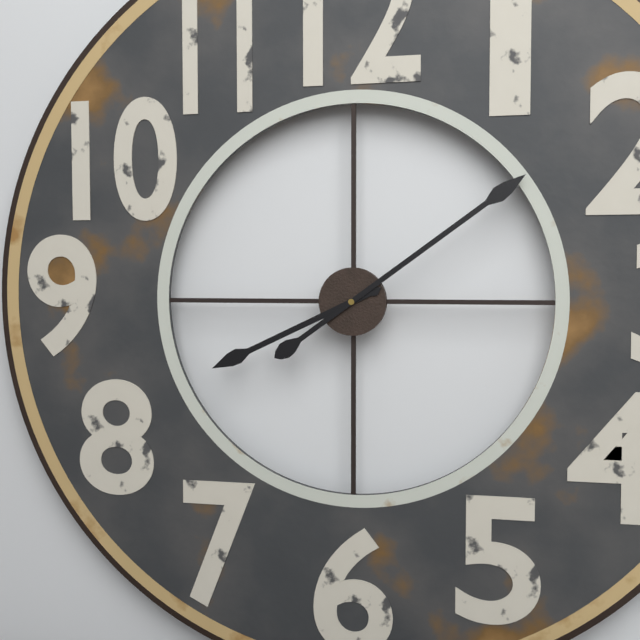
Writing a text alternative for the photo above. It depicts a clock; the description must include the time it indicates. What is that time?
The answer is 8:09
